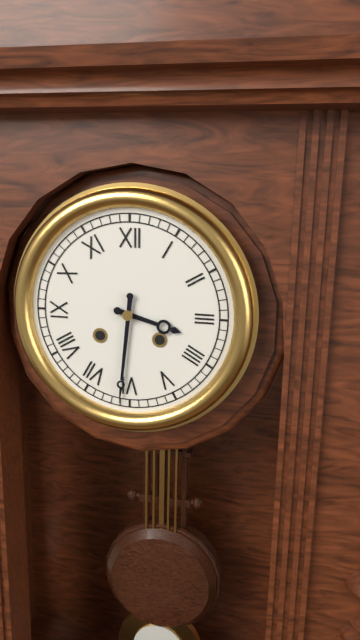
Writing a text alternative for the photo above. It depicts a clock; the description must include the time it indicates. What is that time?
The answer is 3:31
